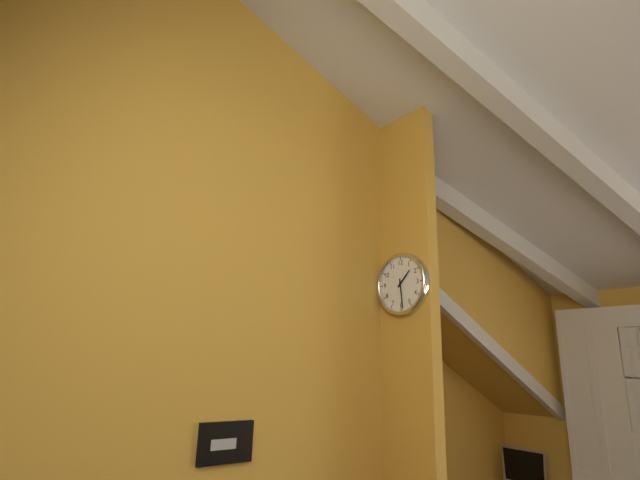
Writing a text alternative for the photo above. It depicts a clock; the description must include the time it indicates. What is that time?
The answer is 1:29
